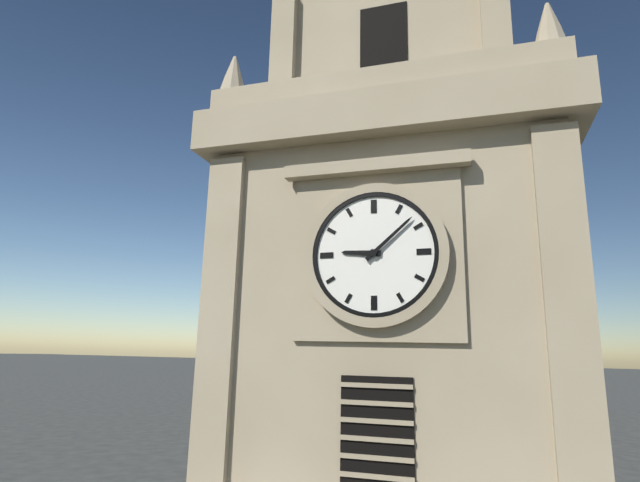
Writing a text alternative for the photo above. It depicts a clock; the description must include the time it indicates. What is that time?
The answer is 9:08
